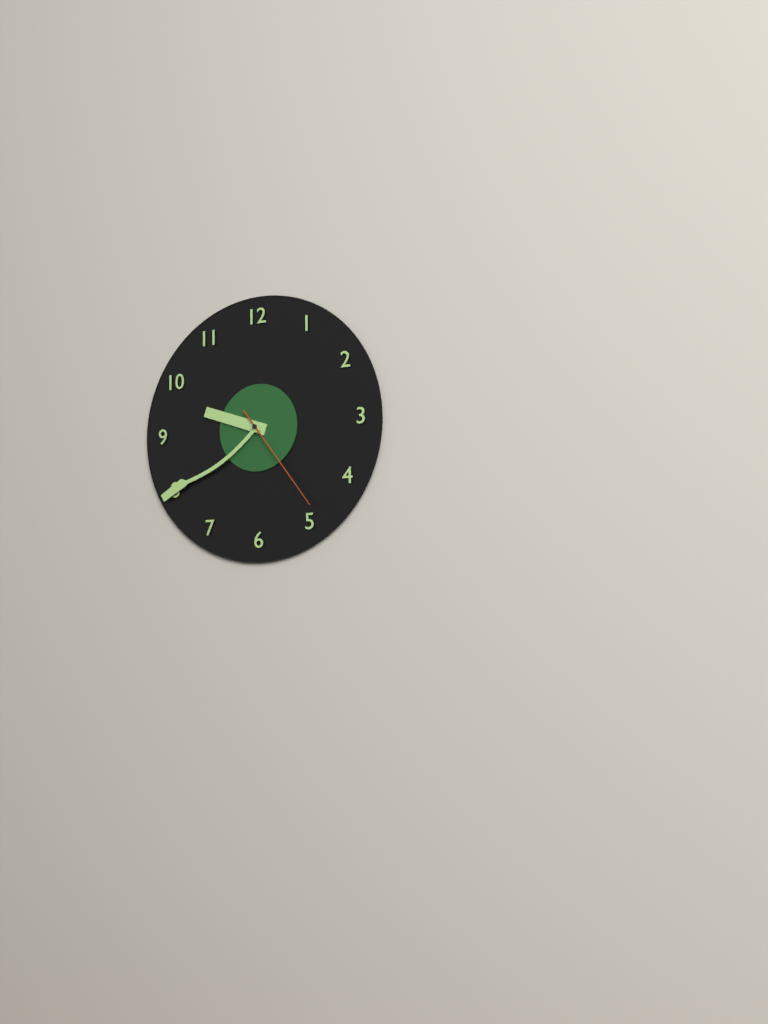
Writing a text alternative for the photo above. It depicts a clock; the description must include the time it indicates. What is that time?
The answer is 9:40:24
